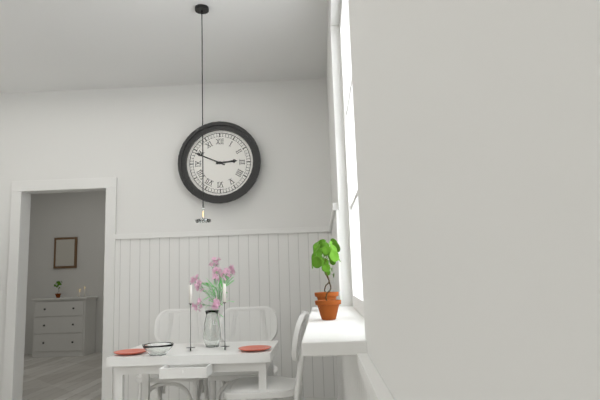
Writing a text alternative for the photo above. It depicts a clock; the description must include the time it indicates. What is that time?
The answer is 2:49
